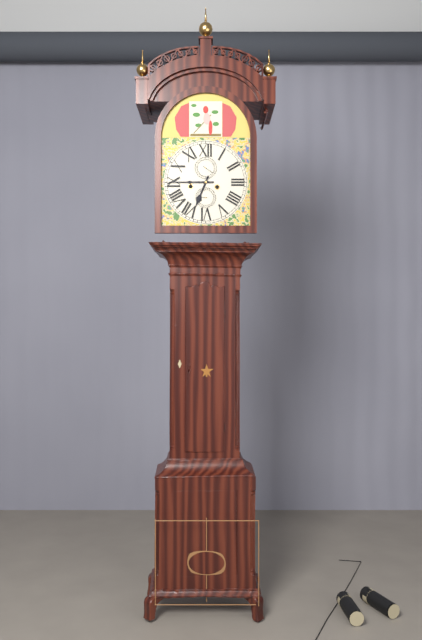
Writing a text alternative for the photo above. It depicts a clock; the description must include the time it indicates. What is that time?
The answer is 6:45
